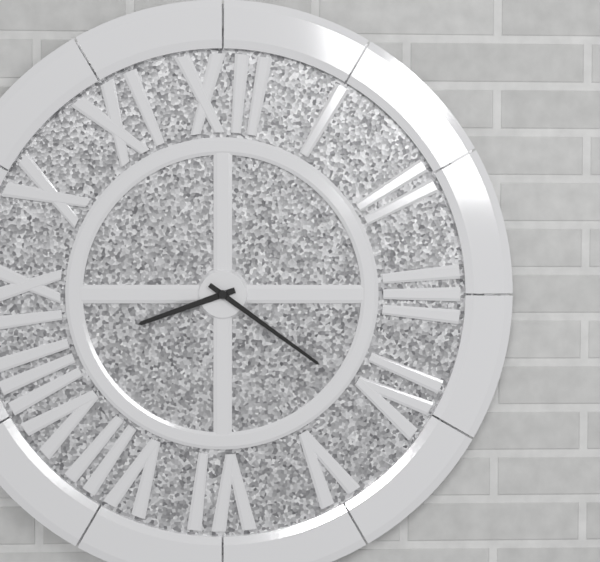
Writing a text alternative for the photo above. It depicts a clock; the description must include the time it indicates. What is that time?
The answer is 8:21
